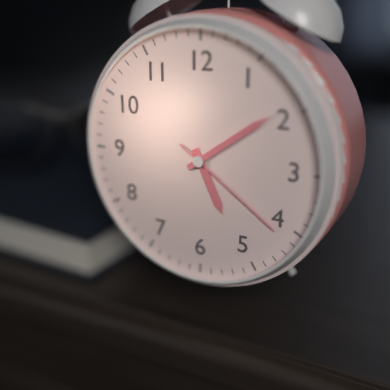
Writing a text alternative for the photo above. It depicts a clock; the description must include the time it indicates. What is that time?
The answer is 5:09:21
